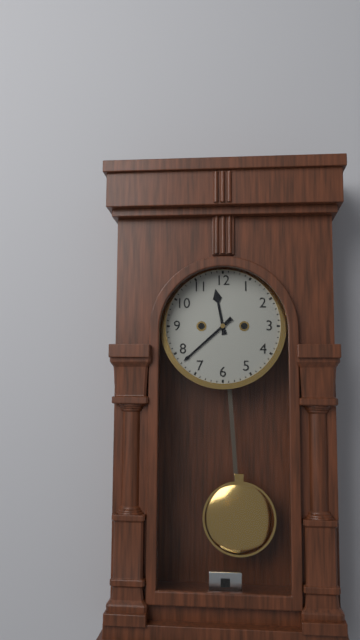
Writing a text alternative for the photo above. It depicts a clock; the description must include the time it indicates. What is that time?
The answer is 11:38
